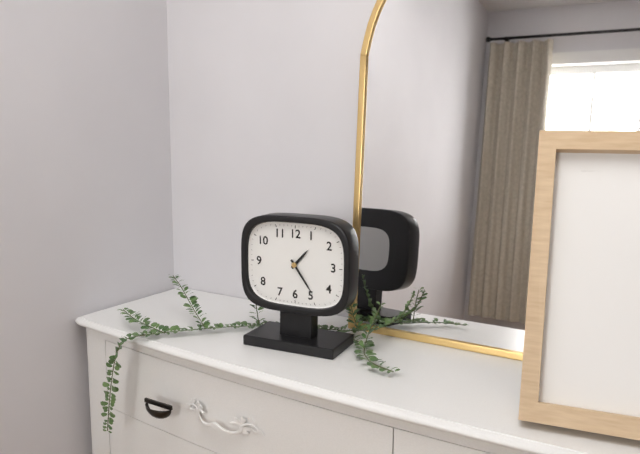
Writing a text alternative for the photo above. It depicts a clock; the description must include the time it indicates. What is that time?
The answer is 1:24
